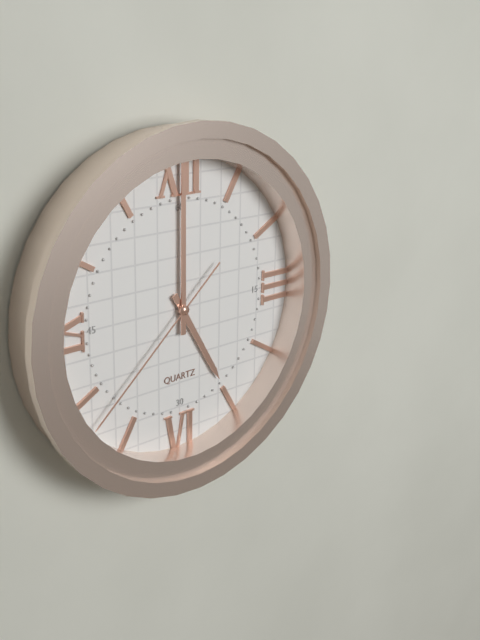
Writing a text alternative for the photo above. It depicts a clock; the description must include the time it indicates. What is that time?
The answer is 5:00:38
